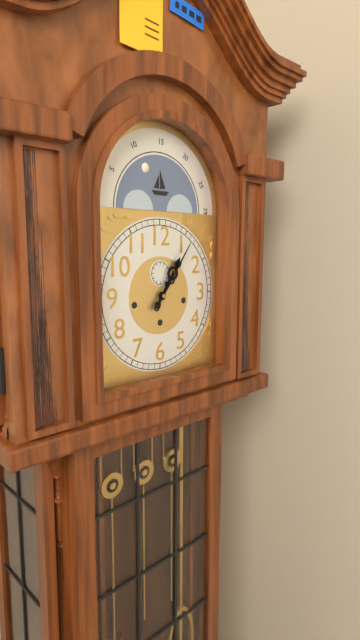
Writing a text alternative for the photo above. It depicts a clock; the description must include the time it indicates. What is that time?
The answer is 1:06
